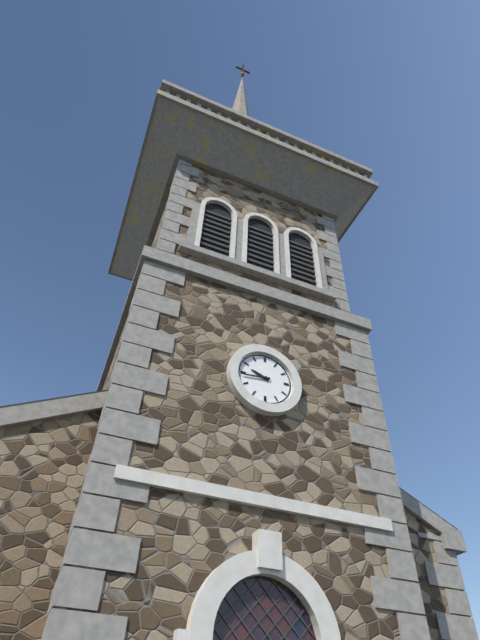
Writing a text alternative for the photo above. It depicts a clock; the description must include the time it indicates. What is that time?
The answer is 9:44
